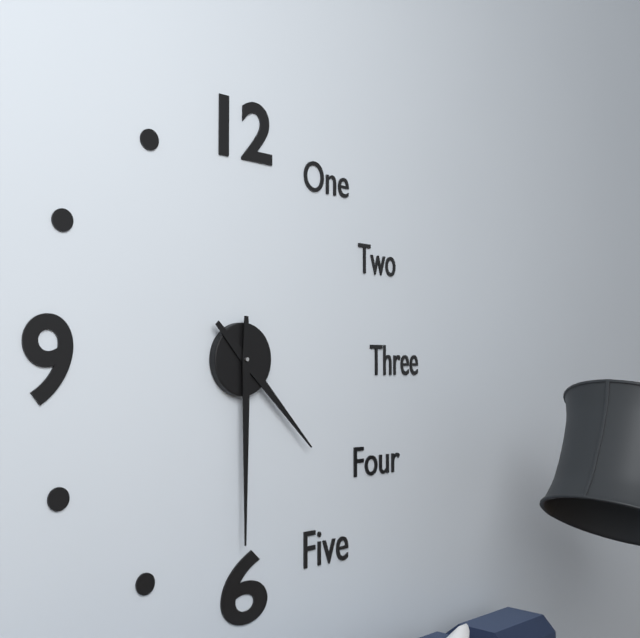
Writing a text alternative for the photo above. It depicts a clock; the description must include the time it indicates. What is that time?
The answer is 4:30
